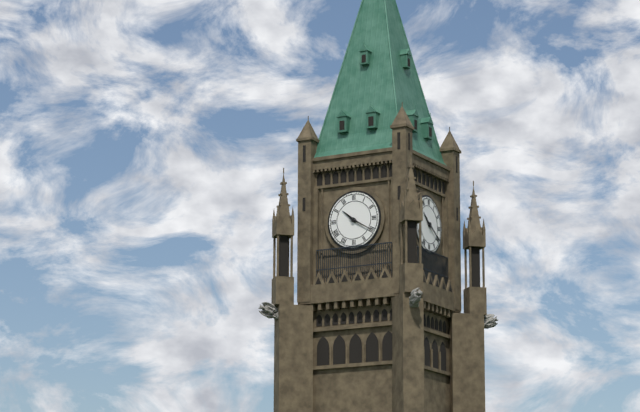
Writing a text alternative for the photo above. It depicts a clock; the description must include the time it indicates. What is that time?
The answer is 10:20
